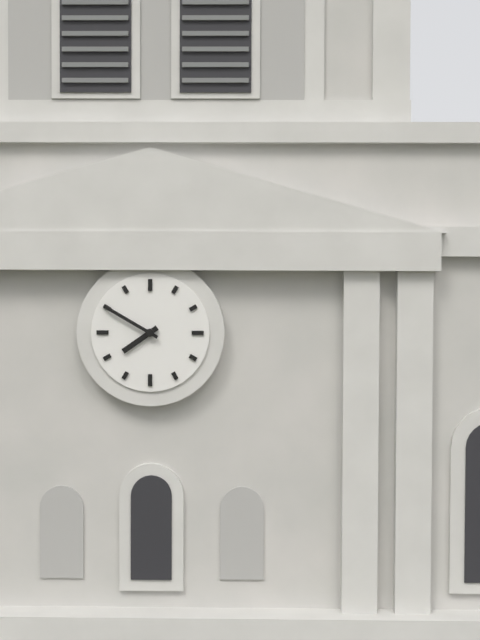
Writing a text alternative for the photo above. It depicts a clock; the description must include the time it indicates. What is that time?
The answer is 7:50
